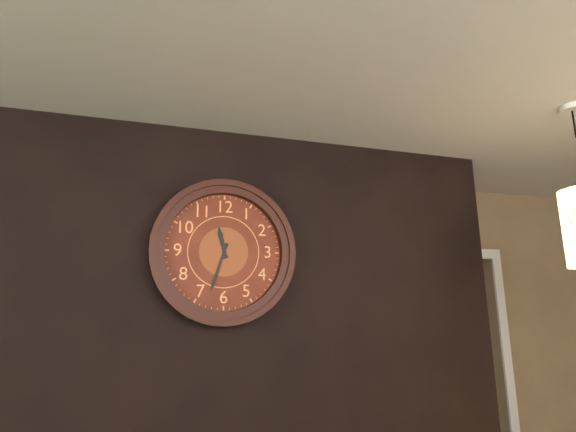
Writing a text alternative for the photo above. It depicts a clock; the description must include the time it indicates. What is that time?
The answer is 11:33
